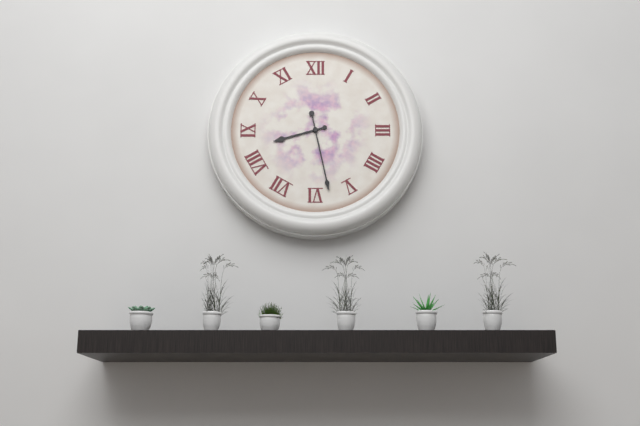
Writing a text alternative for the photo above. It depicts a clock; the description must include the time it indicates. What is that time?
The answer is 8:28
